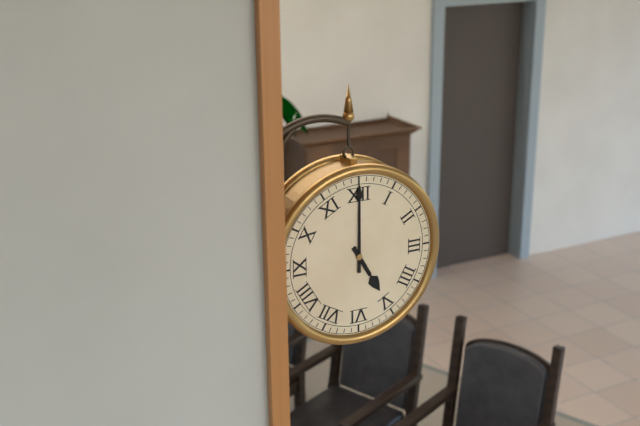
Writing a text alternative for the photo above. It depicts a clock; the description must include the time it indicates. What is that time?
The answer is 5:00
